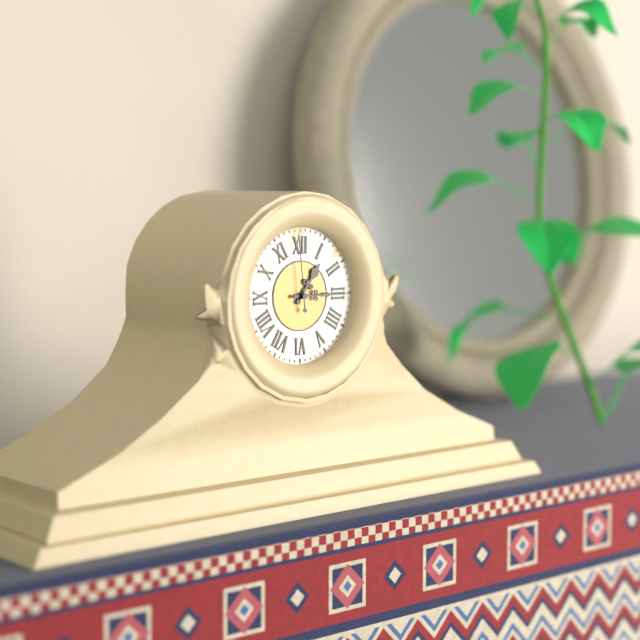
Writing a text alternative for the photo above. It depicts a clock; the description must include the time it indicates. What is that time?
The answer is 1:15:59
